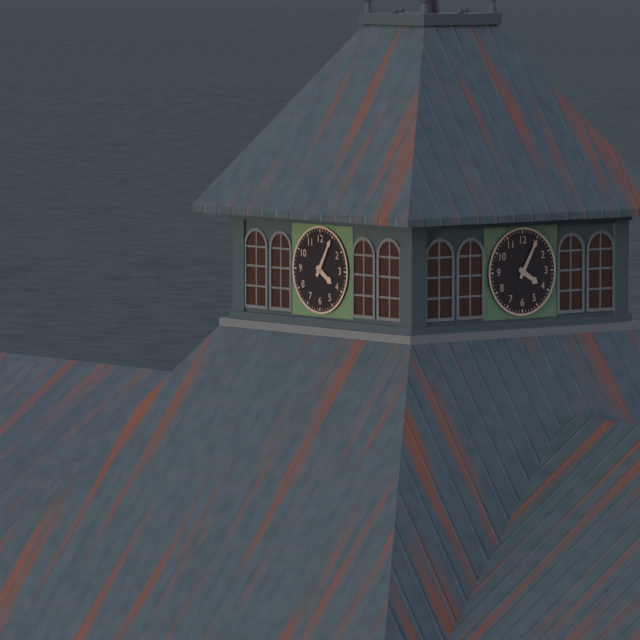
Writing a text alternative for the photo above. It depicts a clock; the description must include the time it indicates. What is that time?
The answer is 4:05
